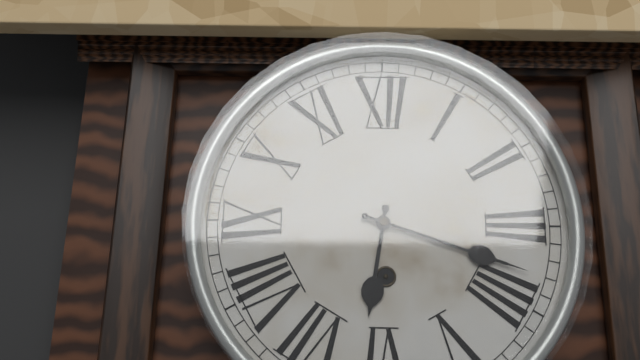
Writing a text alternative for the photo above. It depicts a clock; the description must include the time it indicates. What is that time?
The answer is 6:18
